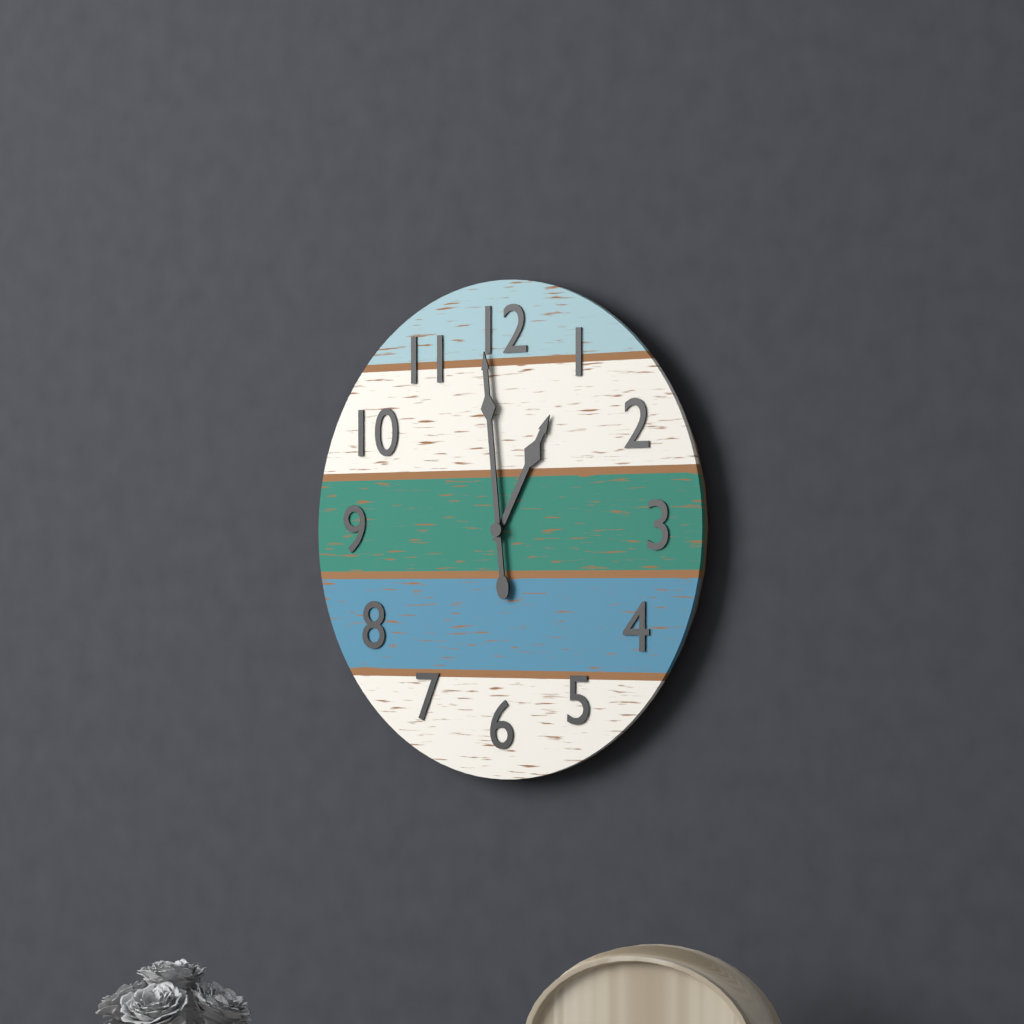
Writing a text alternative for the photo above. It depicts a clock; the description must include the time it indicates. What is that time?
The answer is 12:59
